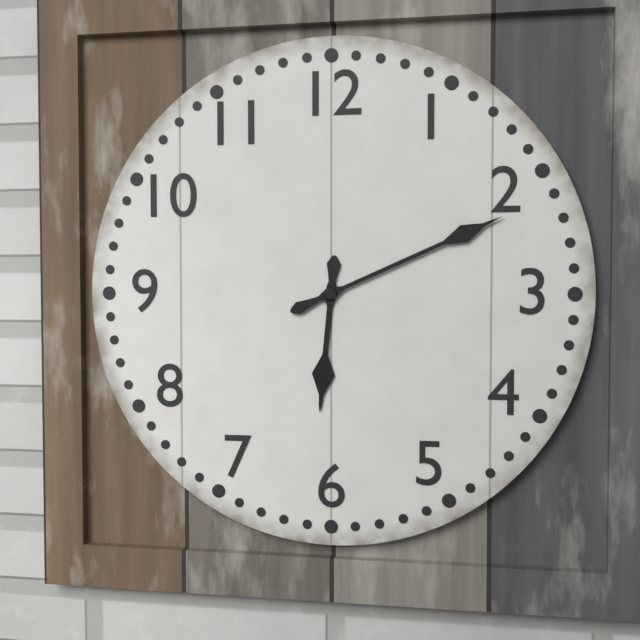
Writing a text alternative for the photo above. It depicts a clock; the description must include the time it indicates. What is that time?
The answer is 6:11
